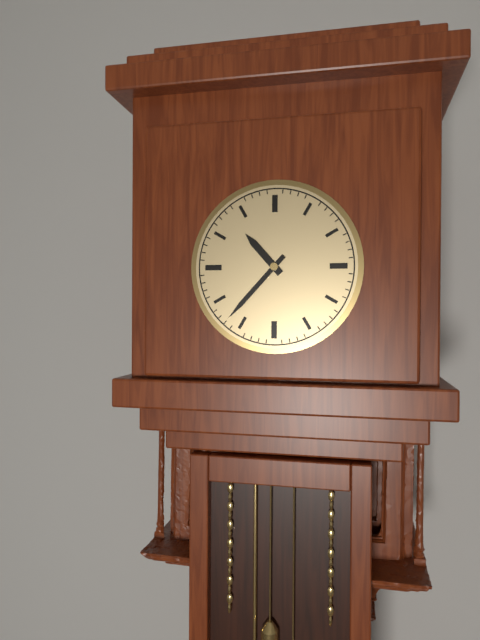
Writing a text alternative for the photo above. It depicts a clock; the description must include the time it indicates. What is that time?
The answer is 10:37
